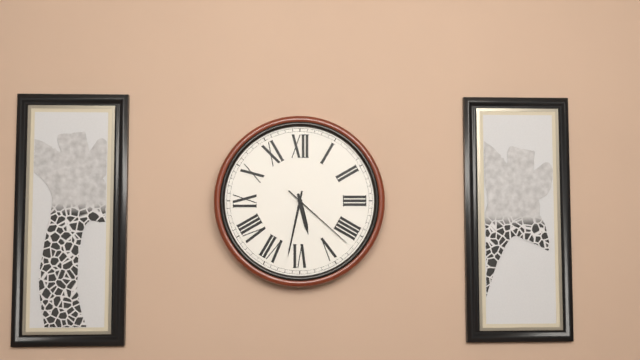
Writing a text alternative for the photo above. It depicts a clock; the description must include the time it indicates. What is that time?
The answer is 5:32:22
